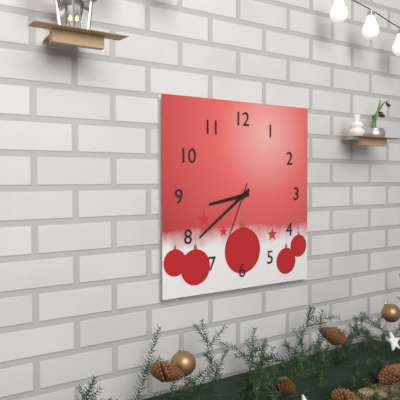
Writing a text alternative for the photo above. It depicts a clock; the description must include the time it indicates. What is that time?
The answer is 8:39:34
